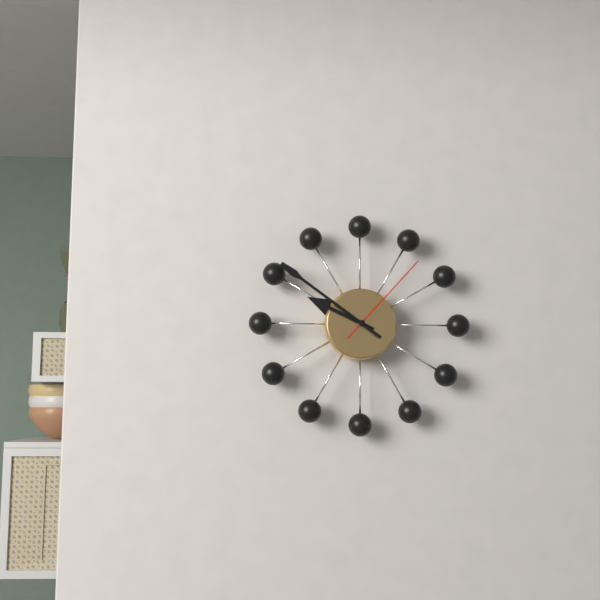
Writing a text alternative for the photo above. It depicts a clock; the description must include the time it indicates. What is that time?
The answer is 9:51:07
